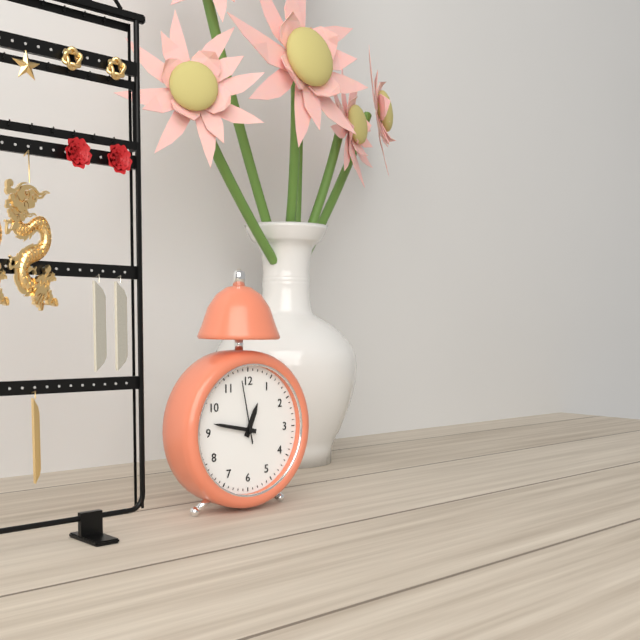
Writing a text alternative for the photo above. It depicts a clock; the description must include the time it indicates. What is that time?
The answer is 12:47:58
